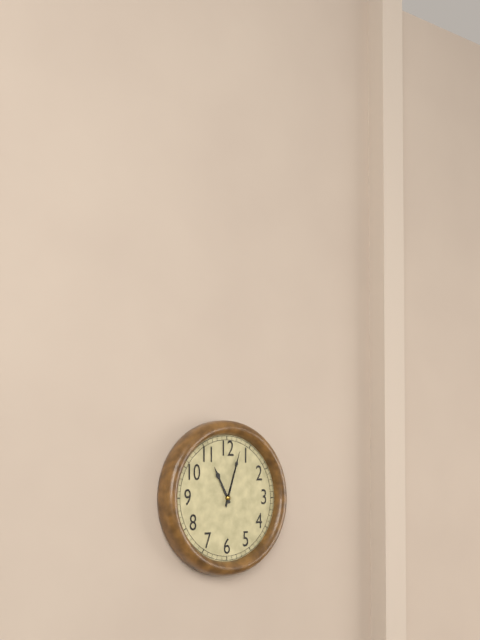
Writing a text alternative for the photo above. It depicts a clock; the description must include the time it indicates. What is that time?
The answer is 11:03
